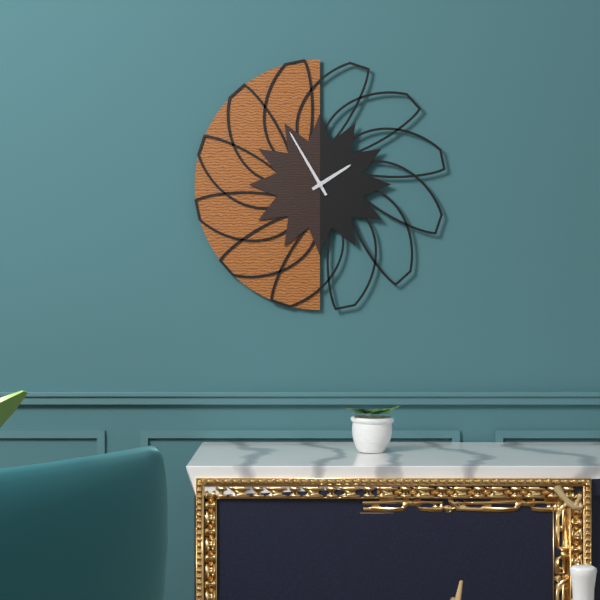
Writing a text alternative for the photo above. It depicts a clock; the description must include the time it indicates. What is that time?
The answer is 1:55
